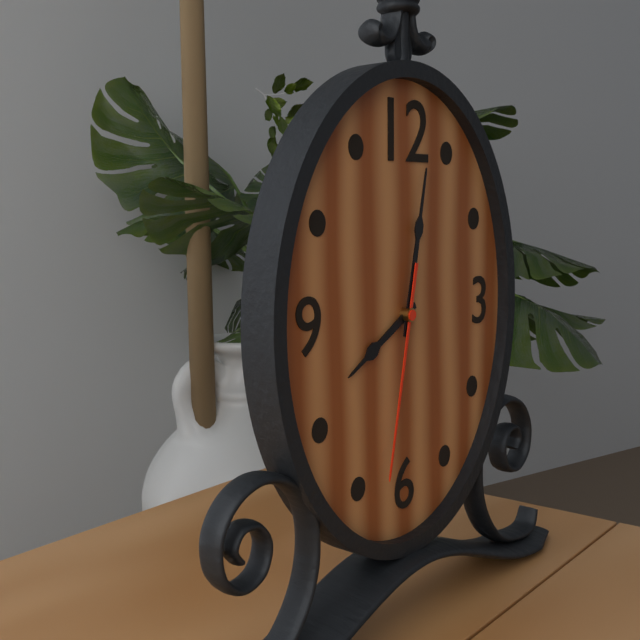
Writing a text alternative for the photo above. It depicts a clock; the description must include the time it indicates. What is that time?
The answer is 8:02:32
